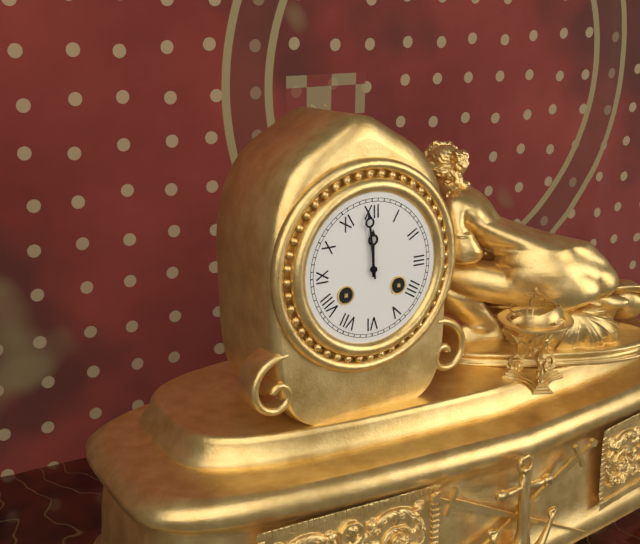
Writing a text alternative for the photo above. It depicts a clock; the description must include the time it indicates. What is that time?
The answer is 11:59
